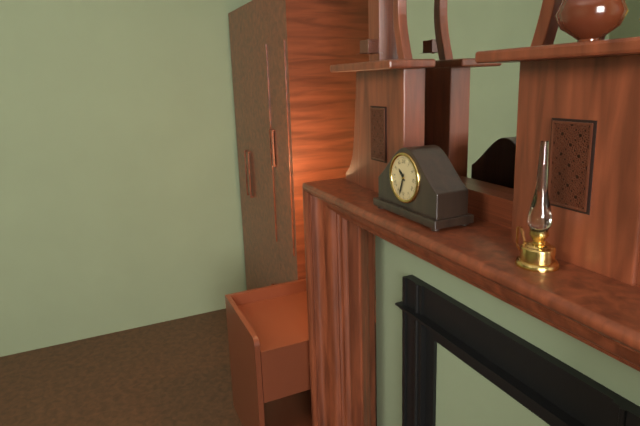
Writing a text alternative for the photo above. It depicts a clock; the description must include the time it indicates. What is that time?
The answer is 10:33
